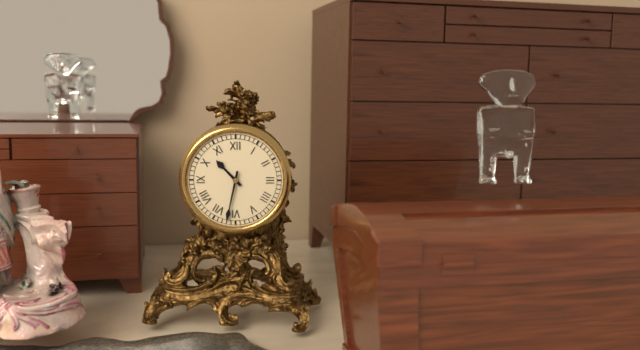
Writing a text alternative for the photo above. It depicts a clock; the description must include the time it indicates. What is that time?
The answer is 10:32
